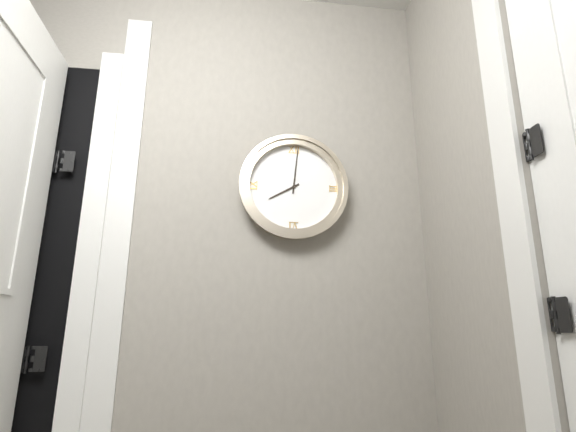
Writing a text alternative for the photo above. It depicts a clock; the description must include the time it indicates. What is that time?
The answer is 8:01
